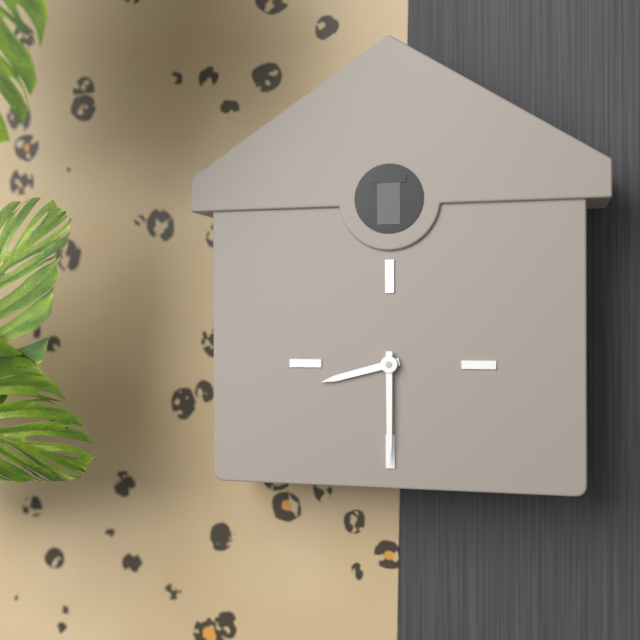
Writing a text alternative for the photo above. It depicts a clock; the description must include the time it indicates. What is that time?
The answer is 8:30
